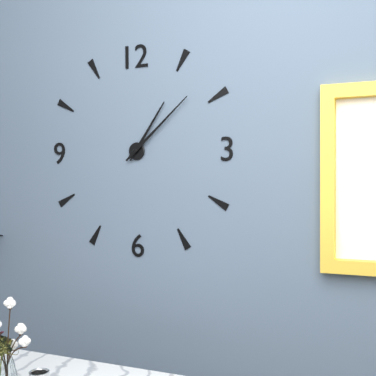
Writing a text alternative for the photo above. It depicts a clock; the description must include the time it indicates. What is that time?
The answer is 1:08
